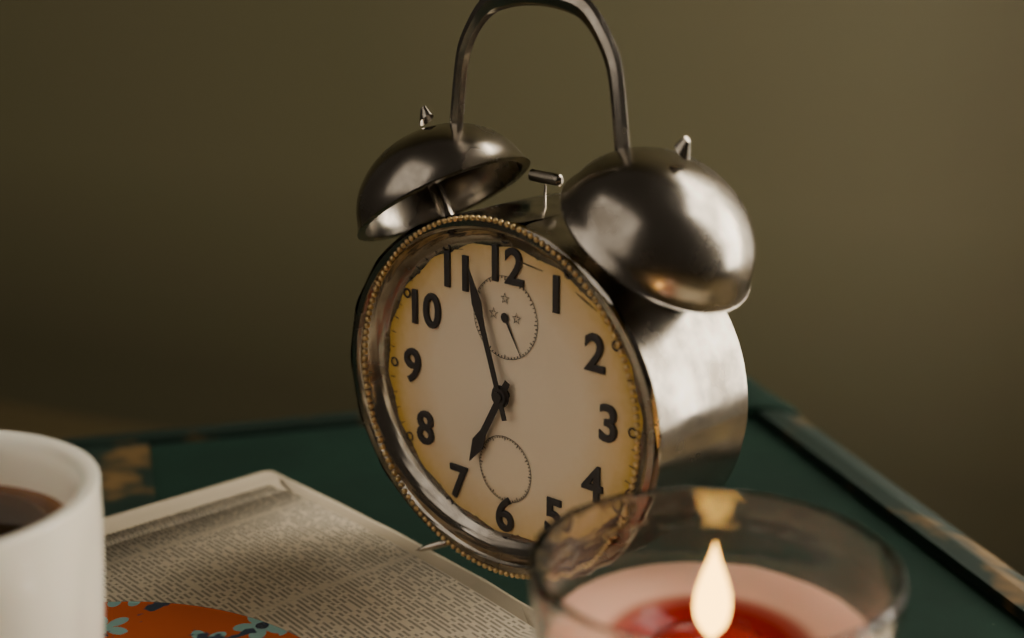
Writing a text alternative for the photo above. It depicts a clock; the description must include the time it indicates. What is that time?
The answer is 6:57
